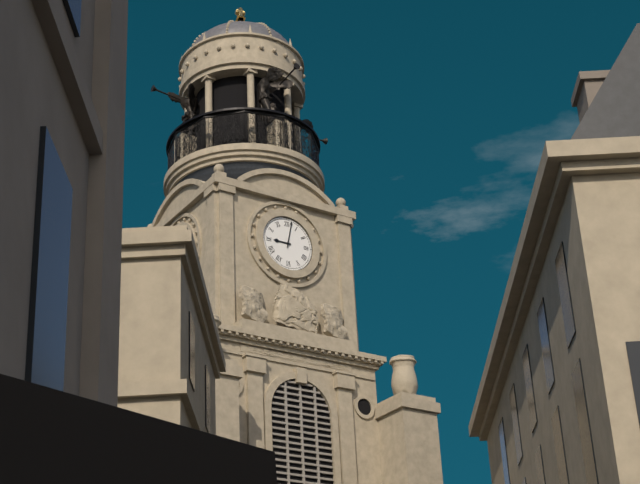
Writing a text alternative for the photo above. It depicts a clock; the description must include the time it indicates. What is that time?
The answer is 9:02
